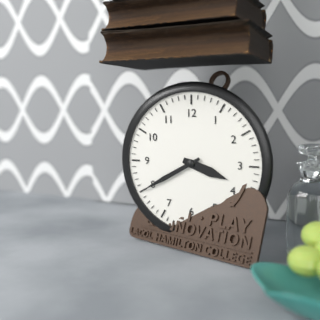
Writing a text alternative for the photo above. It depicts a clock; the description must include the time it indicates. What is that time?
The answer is 3:40
